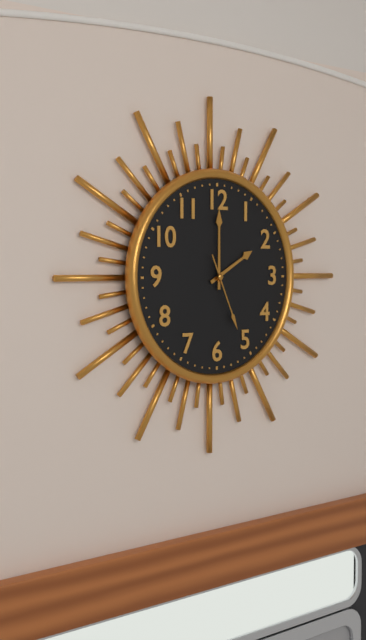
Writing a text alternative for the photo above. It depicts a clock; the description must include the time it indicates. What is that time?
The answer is 2:00:26
